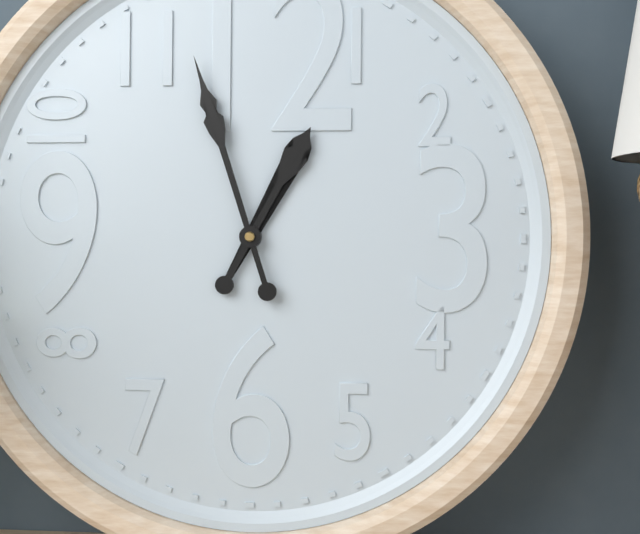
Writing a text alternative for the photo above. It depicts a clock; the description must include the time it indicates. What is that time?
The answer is 12:57
